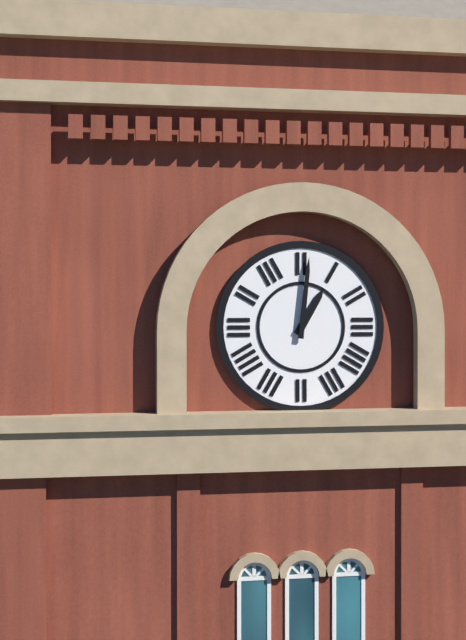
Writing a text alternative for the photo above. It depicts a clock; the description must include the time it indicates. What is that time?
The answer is 1:01
